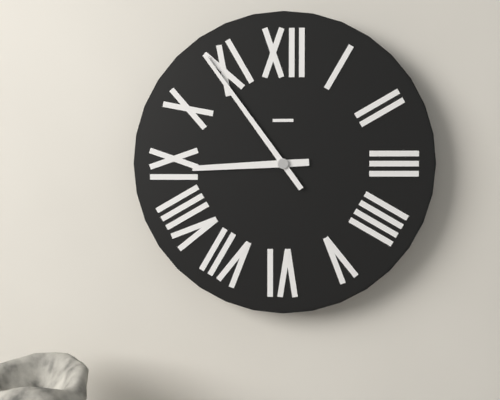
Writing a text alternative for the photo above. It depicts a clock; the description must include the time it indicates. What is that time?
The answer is 8:54
